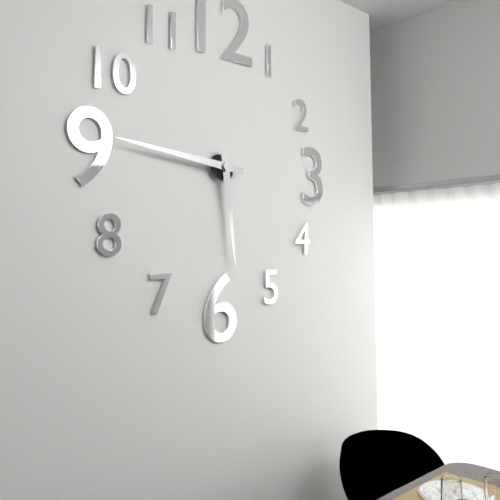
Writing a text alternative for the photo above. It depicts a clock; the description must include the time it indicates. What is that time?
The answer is 5:46
